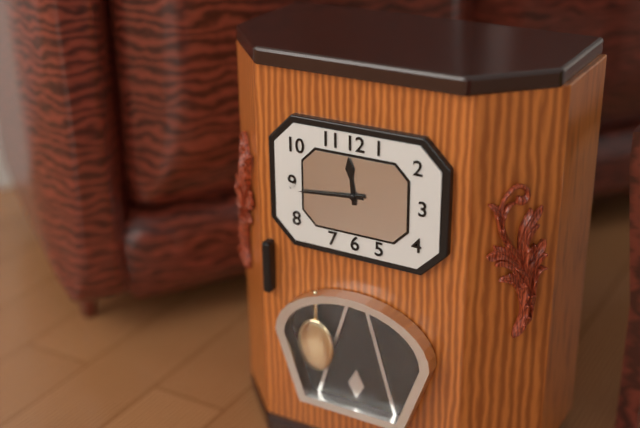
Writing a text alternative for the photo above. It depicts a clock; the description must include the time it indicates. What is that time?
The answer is 11:44
